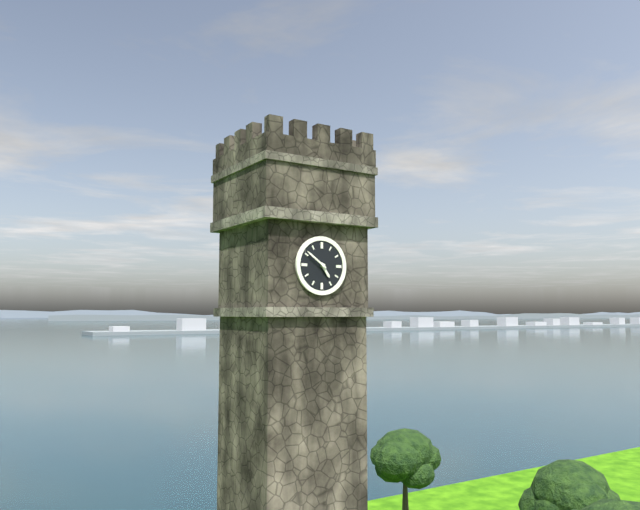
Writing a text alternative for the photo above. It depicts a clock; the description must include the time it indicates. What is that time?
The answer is 4:51
